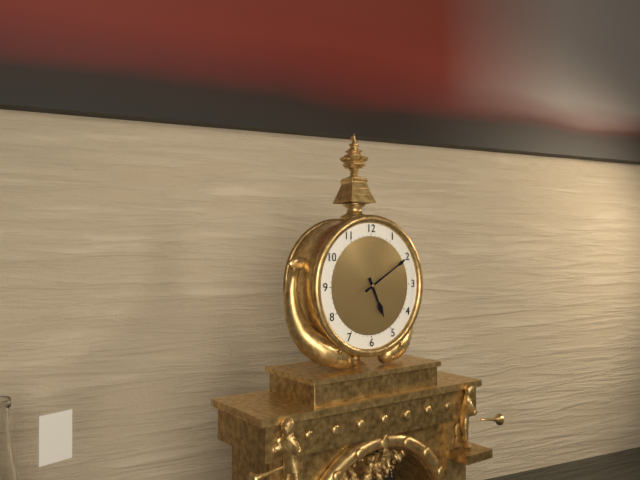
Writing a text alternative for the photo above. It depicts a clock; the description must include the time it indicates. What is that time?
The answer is 5:10
